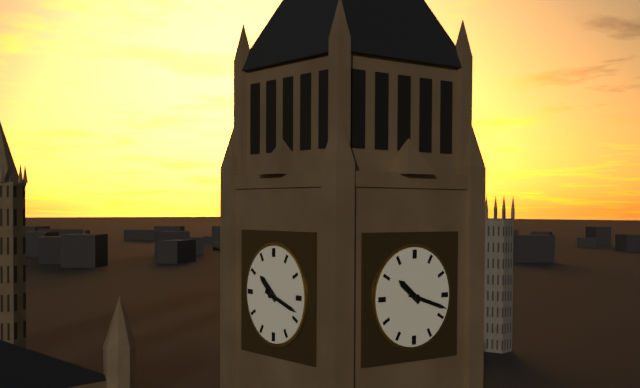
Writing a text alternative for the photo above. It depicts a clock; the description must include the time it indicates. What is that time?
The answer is 10:18
